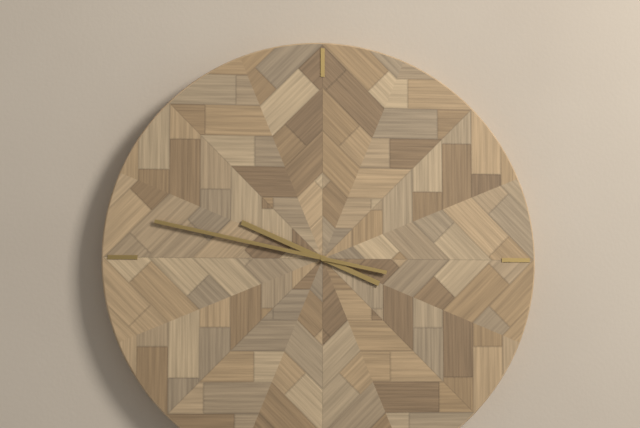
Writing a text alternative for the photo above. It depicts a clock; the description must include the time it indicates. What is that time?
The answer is 9:47
